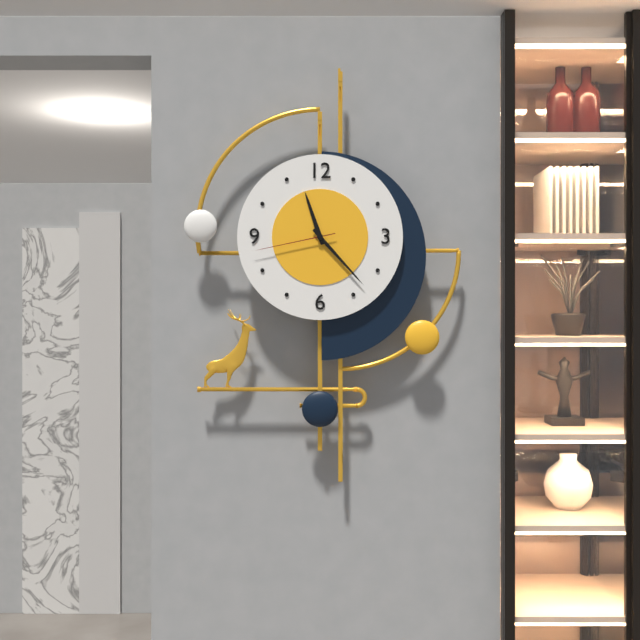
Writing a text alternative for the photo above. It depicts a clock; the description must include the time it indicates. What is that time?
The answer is 11:23:43
